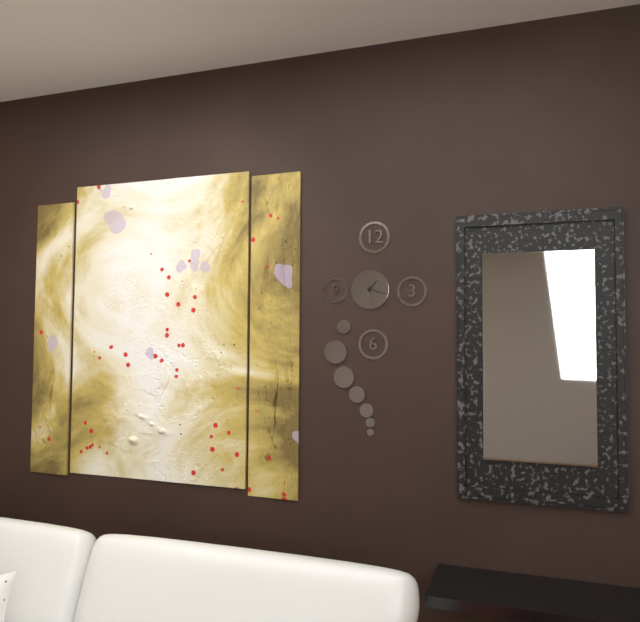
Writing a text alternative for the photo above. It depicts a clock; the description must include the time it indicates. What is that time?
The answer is 1:18
